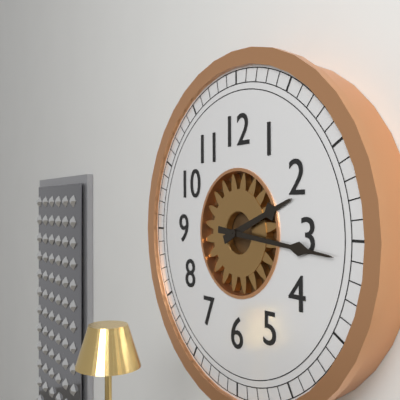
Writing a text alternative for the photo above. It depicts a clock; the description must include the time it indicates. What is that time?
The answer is 2:16
